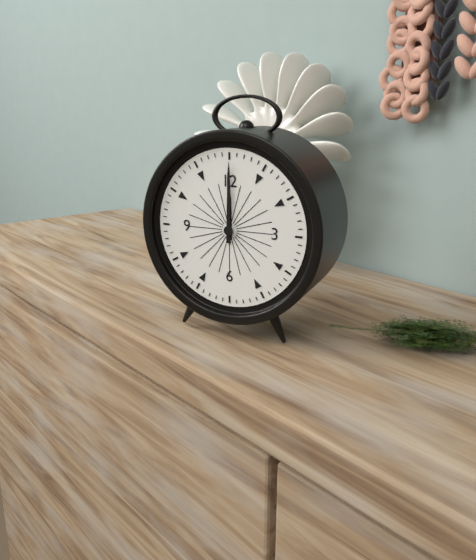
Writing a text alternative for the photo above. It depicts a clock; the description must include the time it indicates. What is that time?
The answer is 12:00
